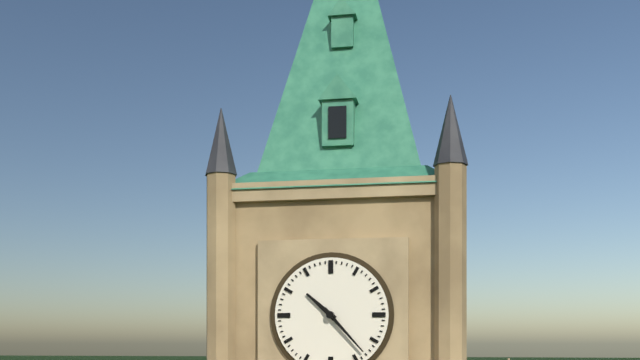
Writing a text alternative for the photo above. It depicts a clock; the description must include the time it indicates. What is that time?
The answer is 10:23
